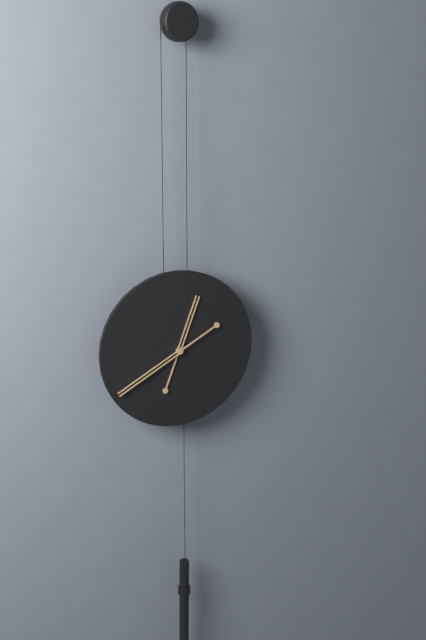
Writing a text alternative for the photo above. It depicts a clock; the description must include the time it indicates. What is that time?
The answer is 12:40
